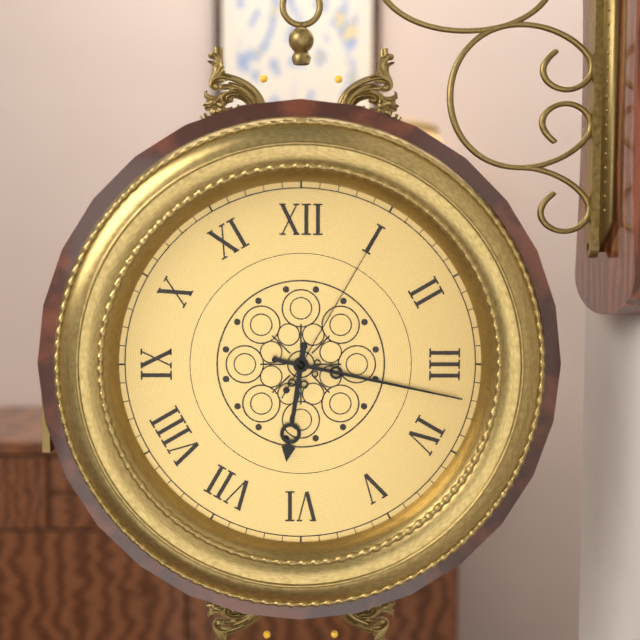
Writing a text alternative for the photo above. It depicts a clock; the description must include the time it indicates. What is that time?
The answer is 6:17:05
